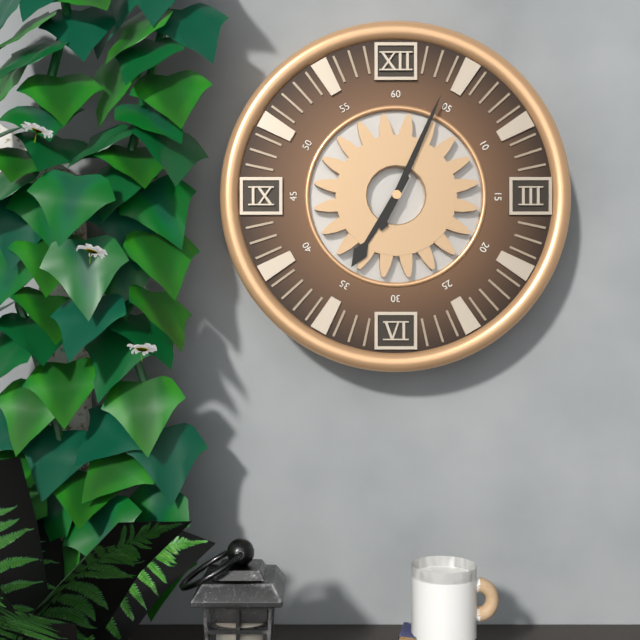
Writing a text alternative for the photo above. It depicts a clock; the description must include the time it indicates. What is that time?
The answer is 7:04
